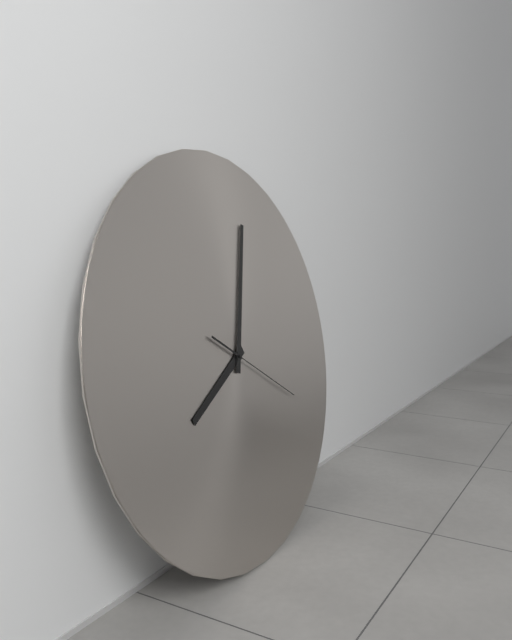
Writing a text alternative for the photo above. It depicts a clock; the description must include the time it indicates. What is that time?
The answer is 8:03:20
